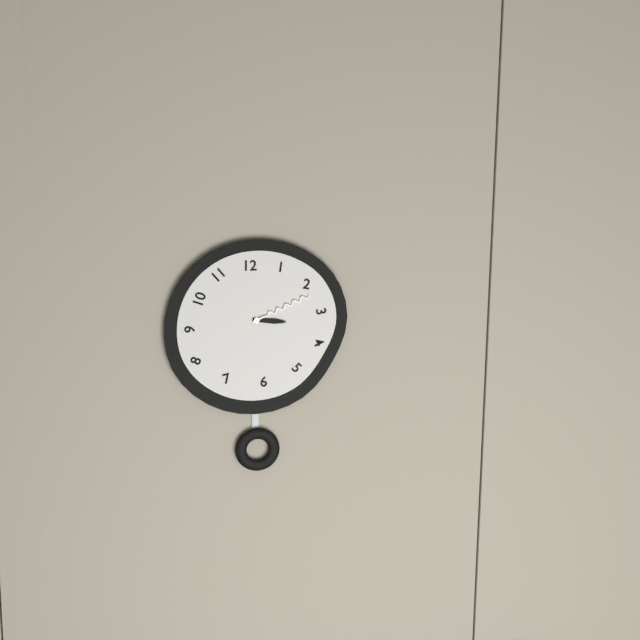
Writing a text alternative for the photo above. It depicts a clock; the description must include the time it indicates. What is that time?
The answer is 3:11
